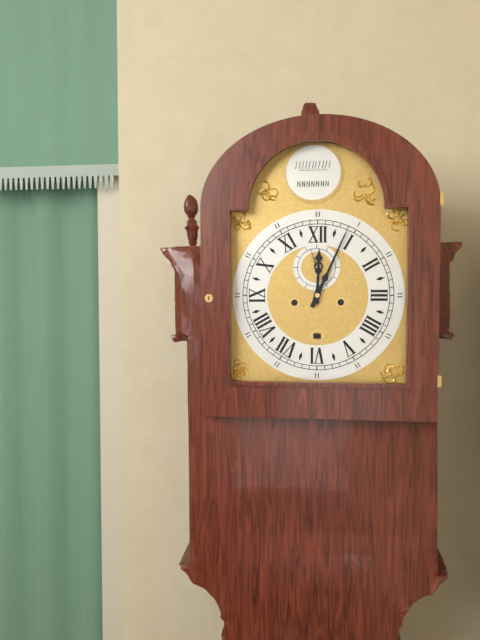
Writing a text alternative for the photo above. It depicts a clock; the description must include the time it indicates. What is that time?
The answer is 12:04
